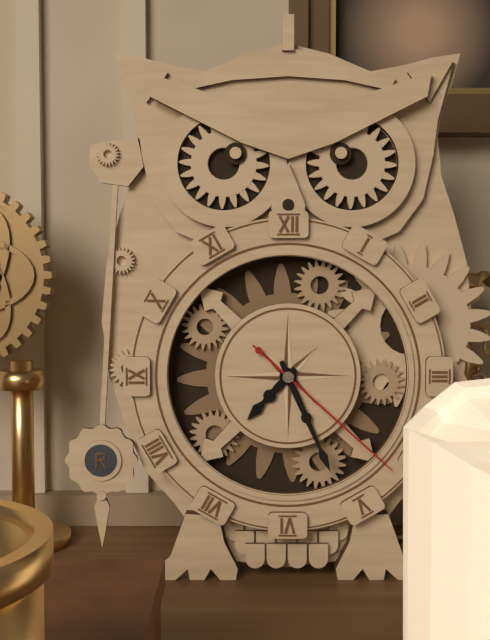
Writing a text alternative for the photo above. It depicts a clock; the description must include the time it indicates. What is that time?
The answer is 7:26:22
